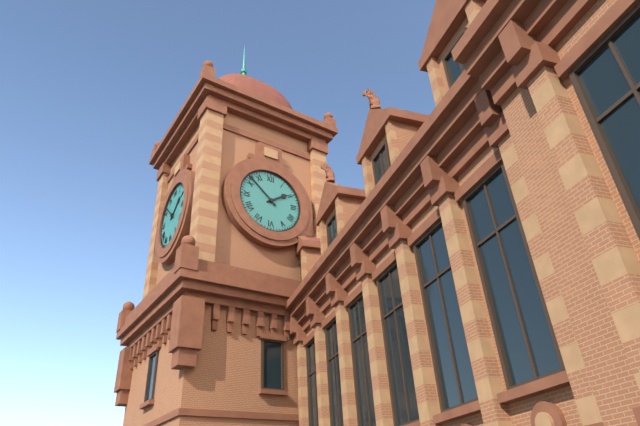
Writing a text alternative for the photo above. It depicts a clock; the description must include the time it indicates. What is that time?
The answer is 1:52
